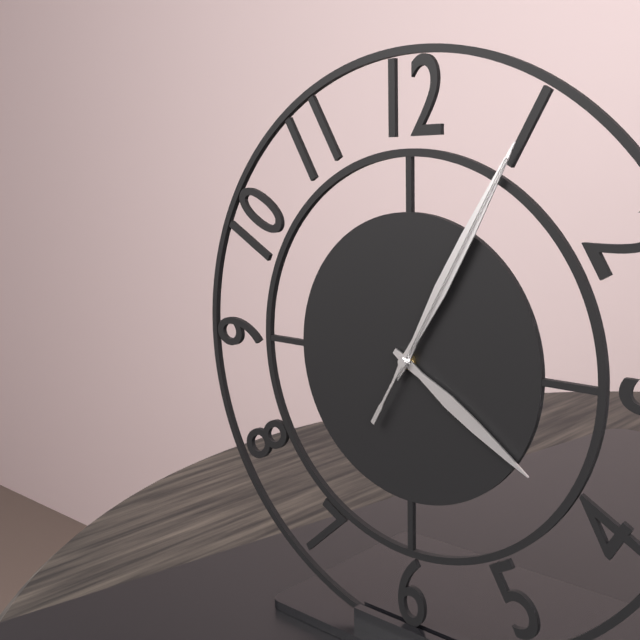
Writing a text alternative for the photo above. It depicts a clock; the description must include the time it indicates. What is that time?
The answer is 4:05:05
